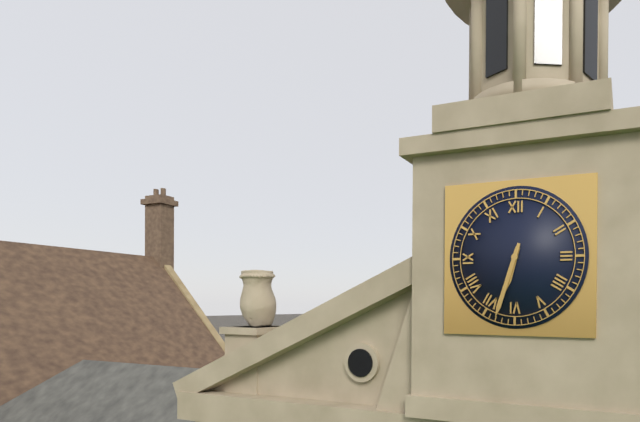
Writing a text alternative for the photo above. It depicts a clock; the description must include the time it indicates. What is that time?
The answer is 6:33
